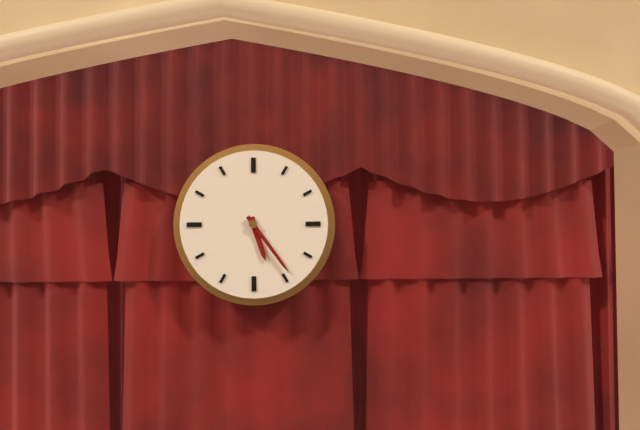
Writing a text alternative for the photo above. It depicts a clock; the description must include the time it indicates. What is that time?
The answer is 5:24
